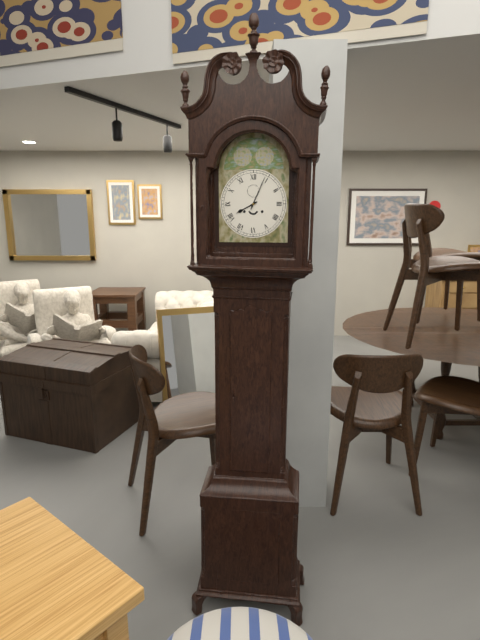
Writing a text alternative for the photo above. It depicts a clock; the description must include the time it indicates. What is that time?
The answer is 8:04
